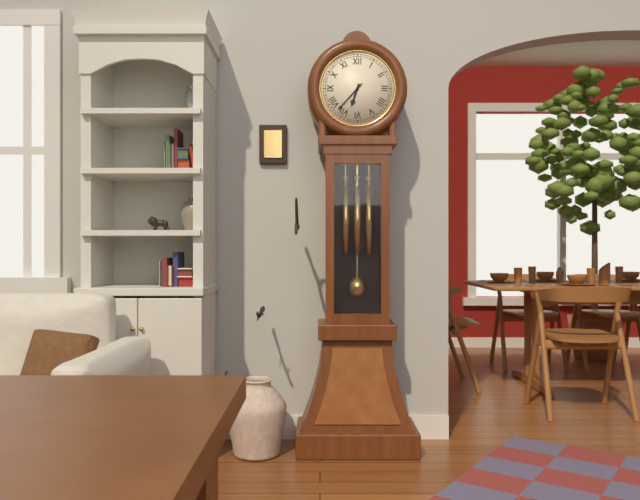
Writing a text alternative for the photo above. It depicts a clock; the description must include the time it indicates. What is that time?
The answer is 6:37
